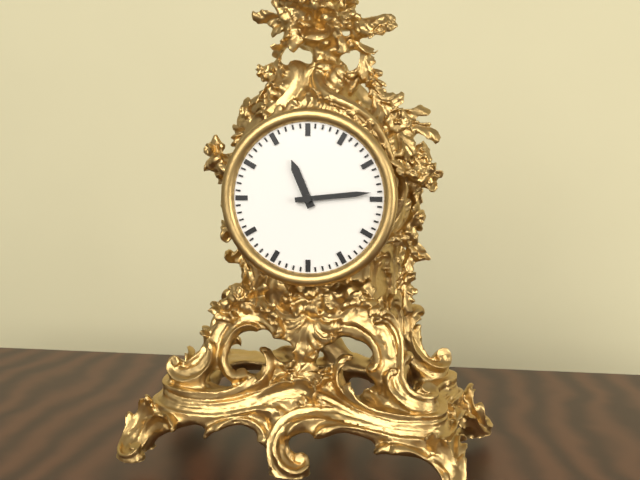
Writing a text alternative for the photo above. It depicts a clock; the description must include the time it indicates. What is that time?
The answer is 11:14
